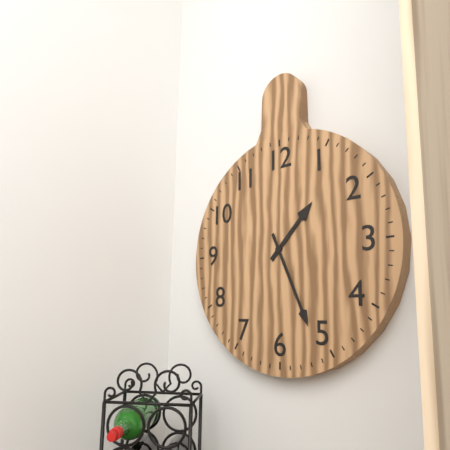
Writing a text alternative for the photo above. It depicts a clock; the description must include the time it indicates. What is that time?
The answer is 1:26
